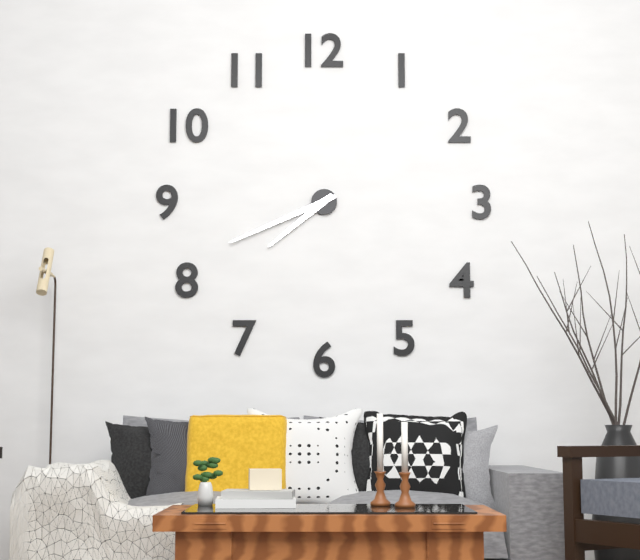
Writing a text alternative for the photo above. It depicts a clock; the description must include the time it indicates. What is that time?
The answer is 7:41
